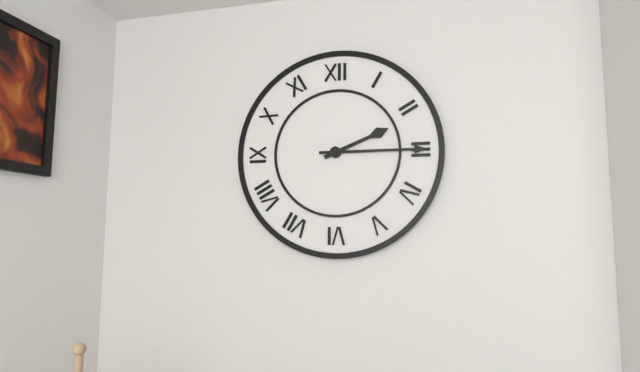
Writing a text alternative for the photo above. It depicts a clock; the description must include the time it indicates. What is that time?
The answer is 2:15
